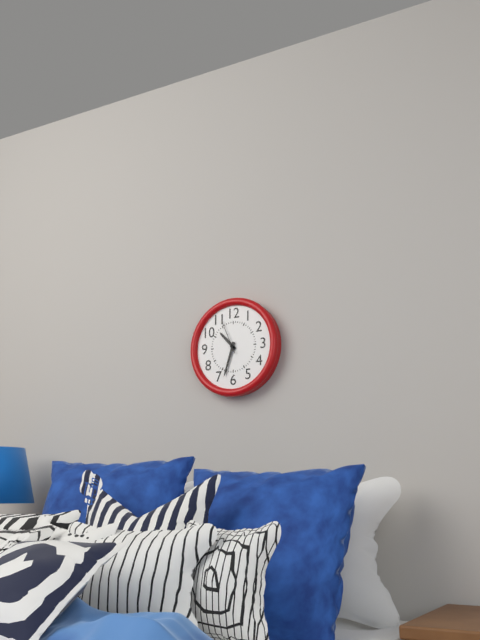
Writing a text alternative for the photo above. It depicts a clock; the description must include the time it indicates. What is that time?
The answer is 10:33
